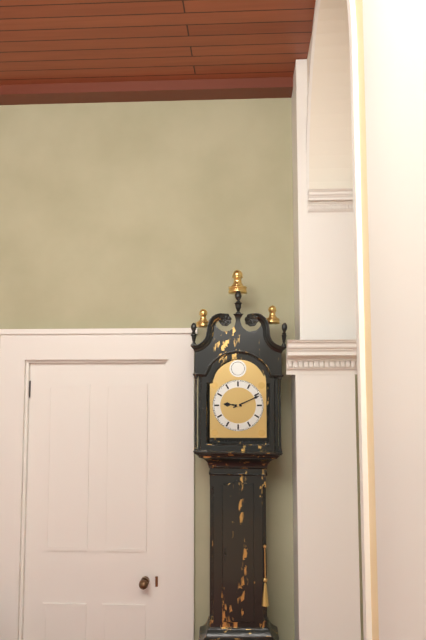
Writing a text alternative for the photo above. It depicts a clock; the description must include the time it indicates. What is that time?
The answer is 9:11
